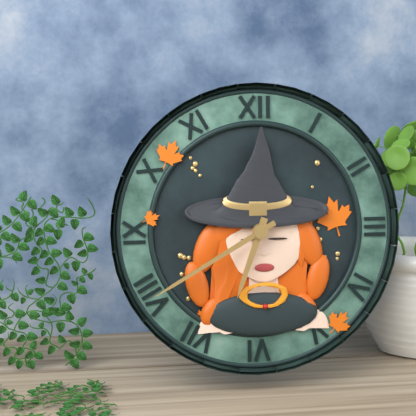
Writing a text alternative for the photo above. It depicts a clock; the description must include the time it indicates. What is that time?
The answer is 6:40
